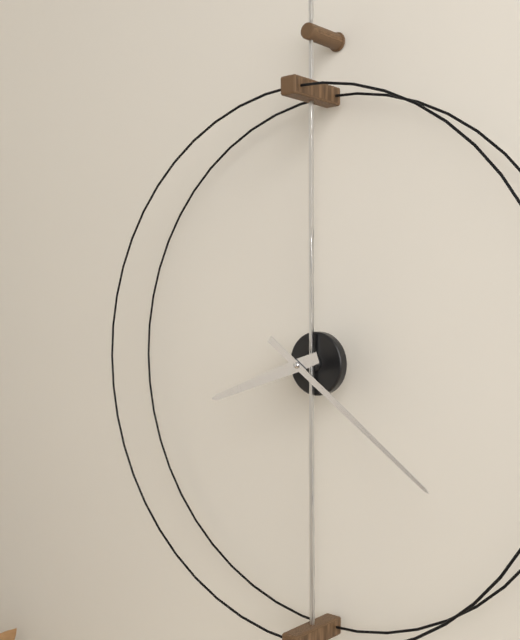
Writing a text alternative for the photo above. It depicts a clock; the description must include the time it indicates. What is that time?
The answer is 8:21
